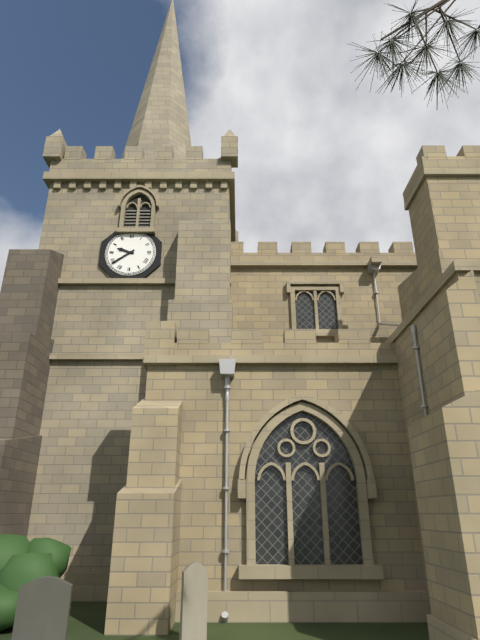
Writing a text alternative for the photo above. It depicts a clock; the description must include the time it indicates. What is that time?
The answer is 9:39
